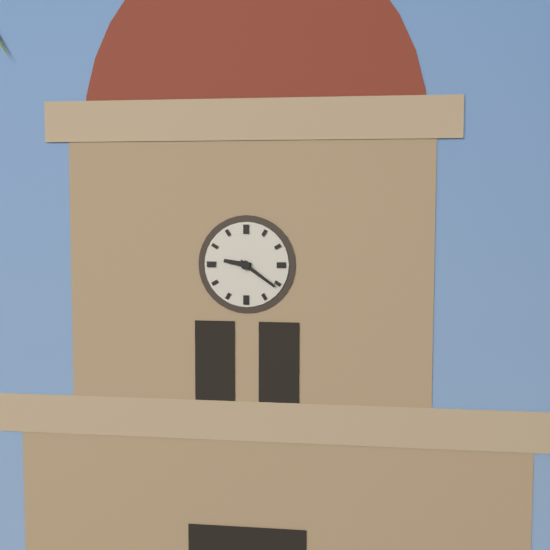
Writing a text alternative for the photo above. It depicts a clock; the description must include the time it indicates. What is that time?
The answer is 9:21
